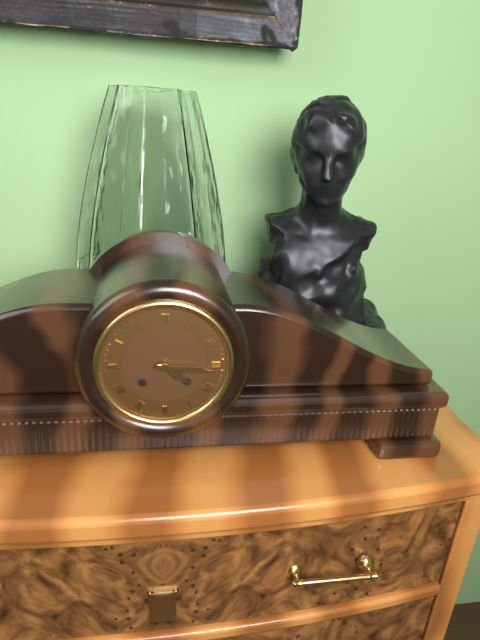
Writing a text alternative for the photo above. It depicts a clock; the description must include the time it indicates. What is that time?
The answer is 4:16
